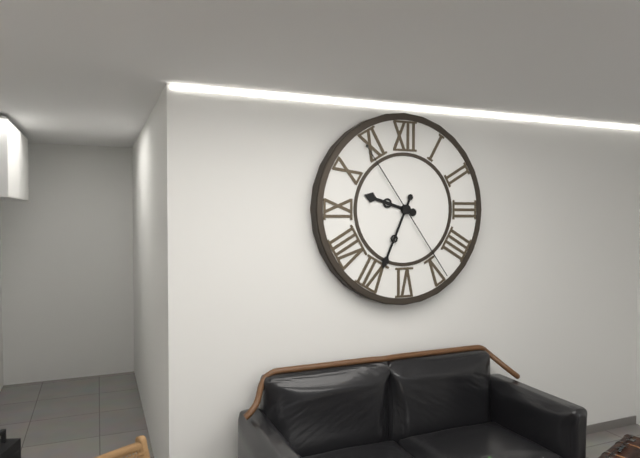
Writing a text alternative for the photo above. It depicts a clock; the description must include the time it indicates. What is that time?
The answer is 9:34:24
